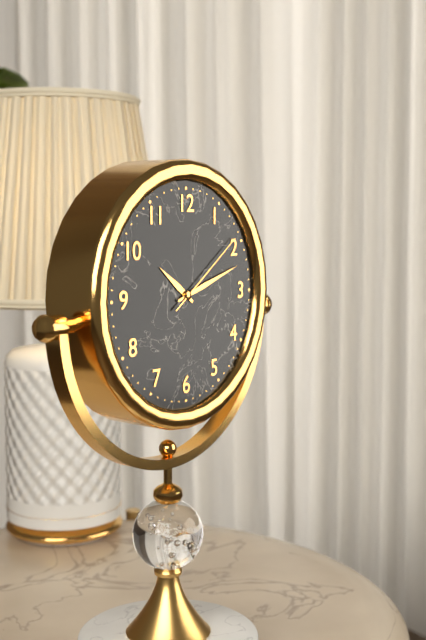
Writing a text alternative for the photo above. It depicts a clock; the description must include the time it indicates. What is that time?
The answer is 10:12:09
